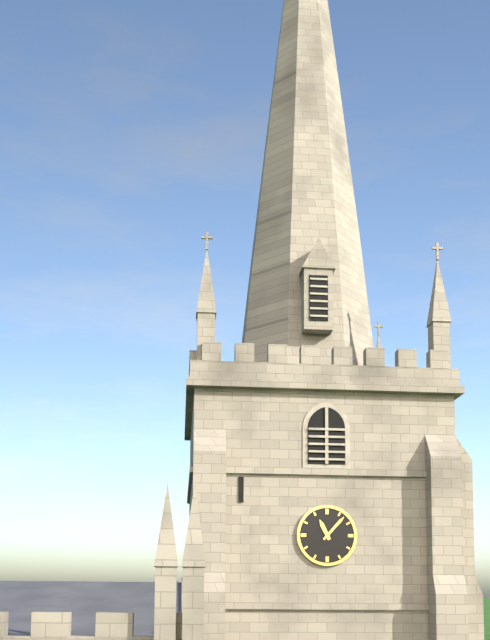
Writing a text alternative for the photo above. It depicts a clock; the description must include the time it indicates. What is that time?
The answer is 11:07
